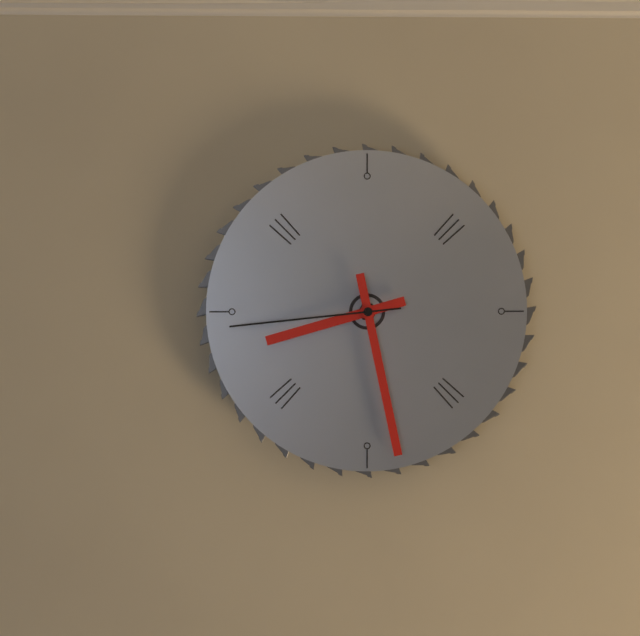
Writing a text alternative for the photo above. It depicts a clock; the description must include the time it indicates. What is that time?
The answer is 8:28:44
